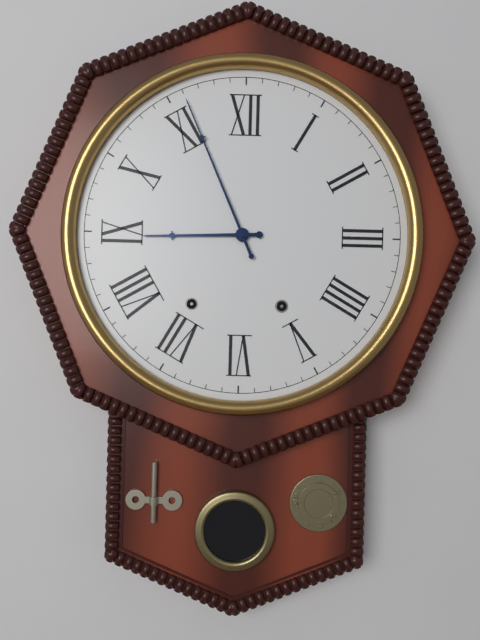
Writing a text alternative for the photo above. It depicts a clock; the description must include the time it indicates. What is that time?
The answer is 8:56
